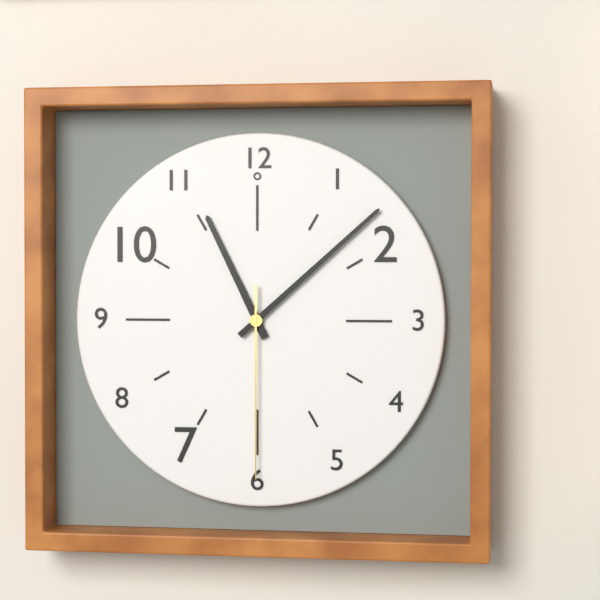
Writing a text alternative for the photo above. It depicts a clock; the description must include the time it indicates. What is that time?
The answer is 11:08:30
